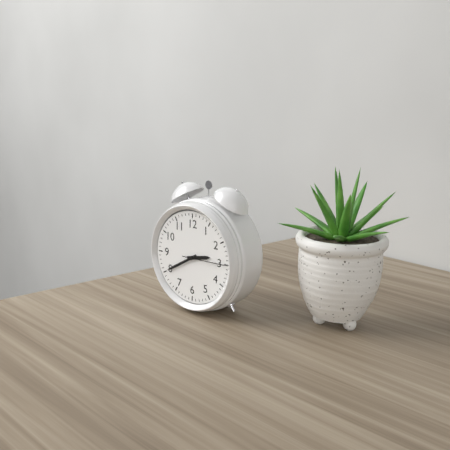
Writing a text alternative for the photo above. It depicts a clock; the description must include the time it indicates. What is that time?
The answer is 2:40
